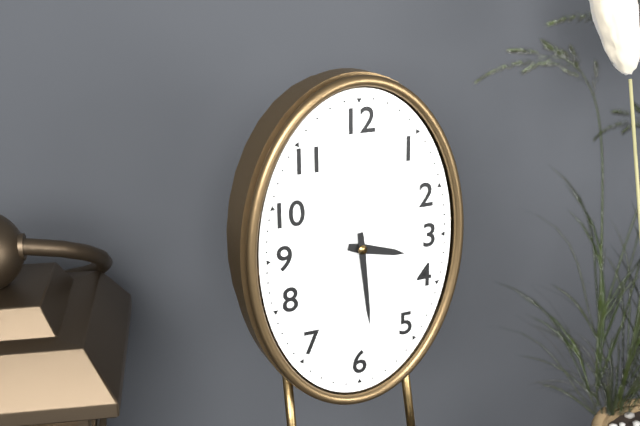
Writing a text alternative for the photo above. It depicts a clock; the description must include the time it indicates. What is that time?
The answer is 3:29
